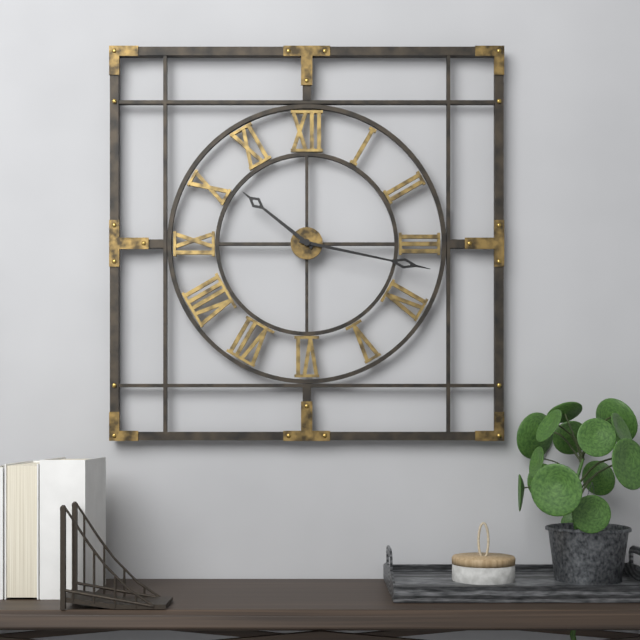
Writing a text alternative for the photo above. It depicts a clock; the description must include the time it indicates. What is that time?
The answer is 10:17
